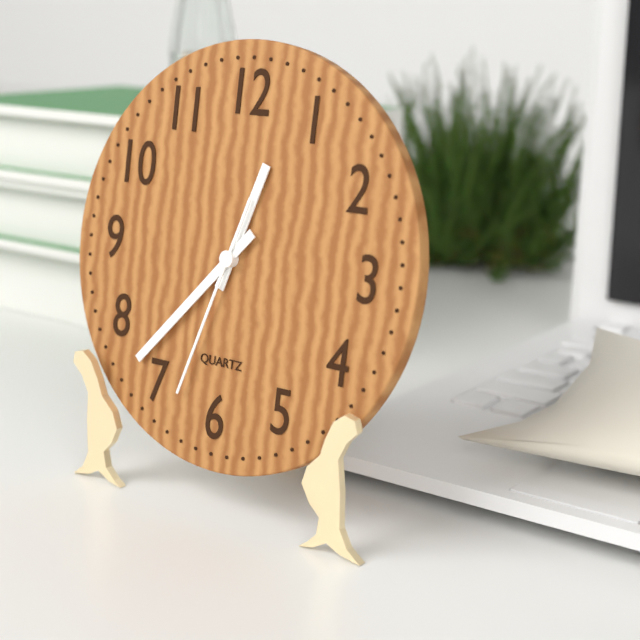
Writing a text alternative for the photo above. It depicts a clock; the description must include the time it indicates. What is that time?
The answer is 12:37:33
